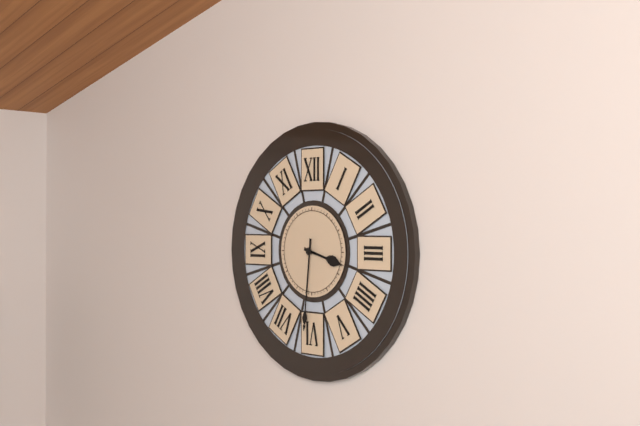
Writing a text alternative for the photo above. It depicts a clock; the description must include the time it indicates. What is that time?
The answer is 3:31
